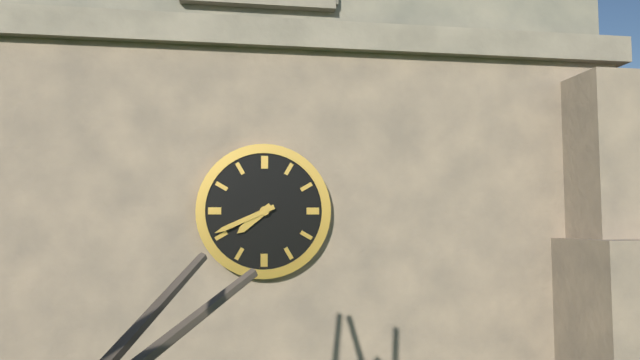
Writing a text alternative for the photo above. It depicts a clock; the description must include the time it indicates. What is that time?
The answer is 7:41
